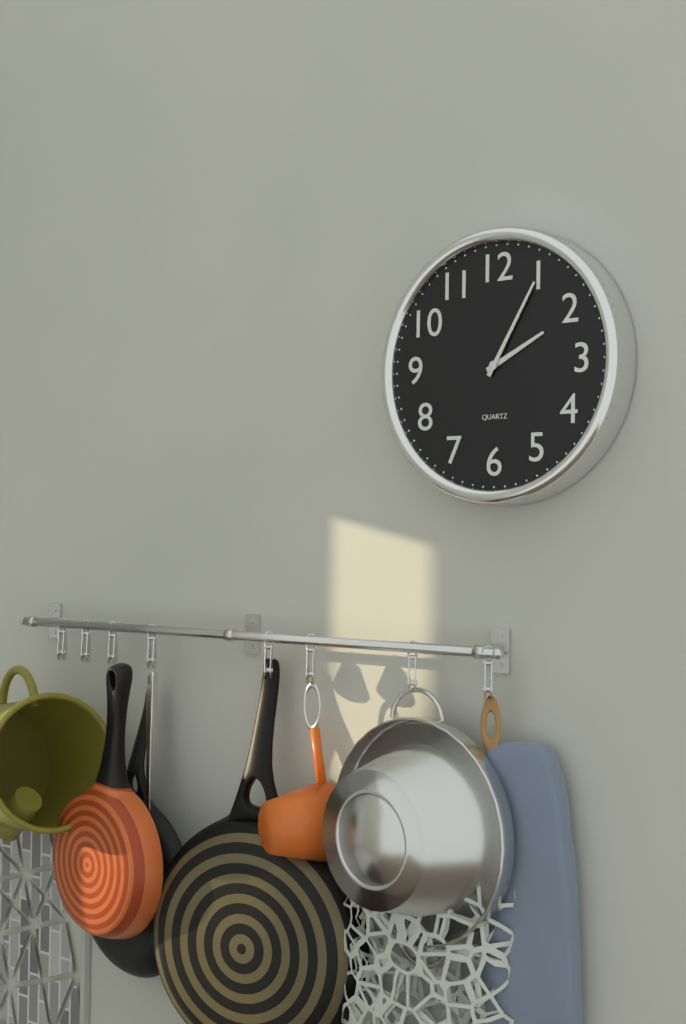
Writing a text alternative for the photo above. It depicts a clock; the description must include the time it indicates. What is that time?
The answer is 2:05
